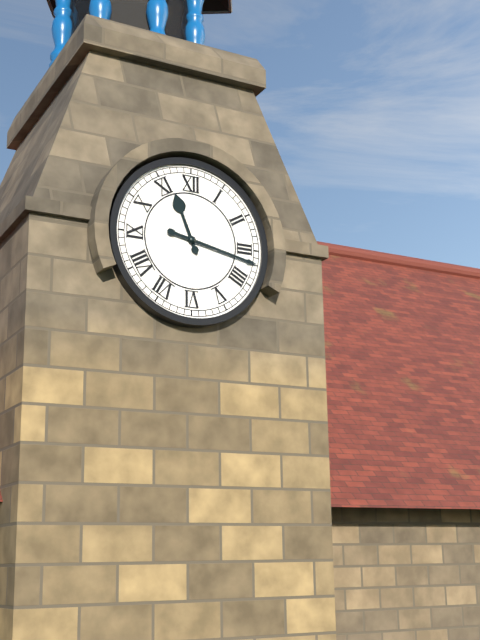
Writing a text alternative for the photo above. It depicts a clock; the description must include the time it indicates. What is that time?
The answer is 11:17
